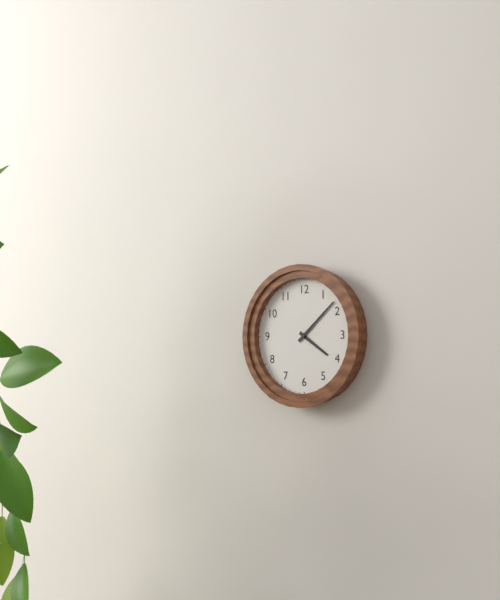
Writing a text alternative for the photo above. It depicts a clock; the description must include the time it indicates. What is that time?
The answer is 4:08
